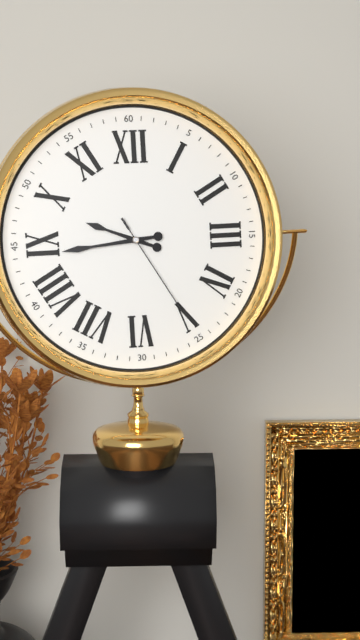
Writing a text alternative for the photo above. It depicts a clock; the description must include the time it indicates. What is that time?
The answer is 9:44:25
